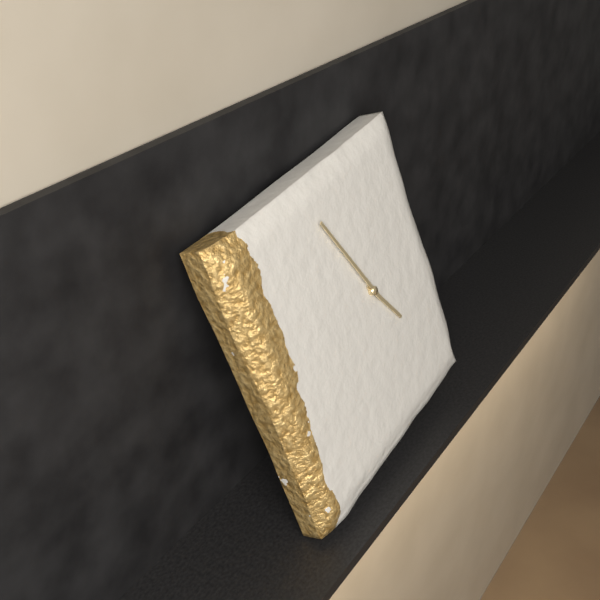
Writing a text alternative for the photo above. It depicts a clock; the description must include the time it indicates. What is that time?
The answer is 4:56
